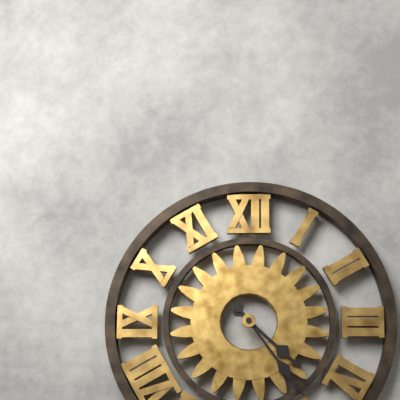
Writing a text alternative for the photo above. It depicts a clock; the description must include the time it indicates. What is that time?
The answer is 4:24
